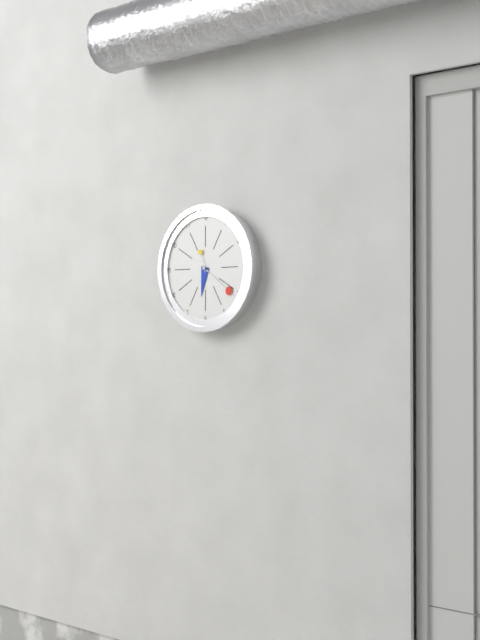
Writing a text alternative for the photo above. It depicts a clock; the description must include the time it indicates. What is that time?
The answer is 6:21
